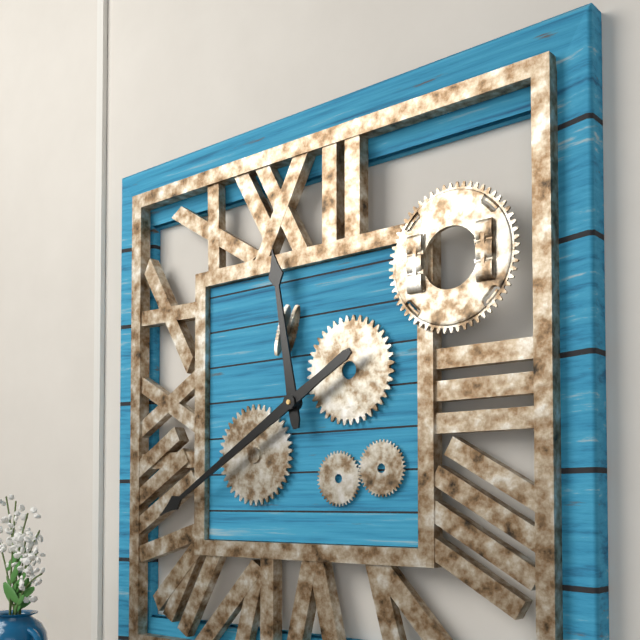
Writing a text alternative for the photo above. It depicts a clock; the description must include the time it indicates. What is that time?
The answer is 11:40
